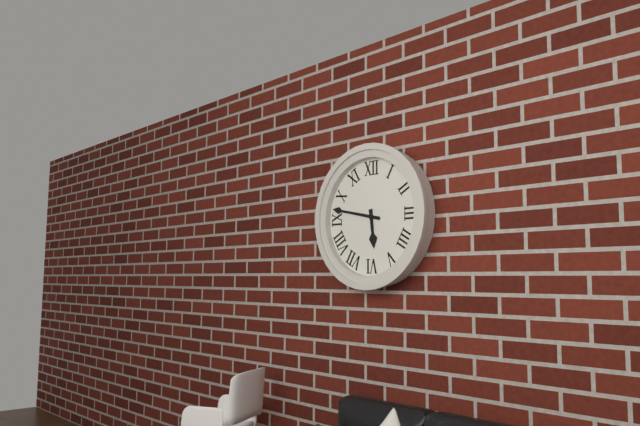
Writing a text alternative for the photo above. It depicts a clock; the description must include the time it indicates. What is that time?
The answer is 5:47
